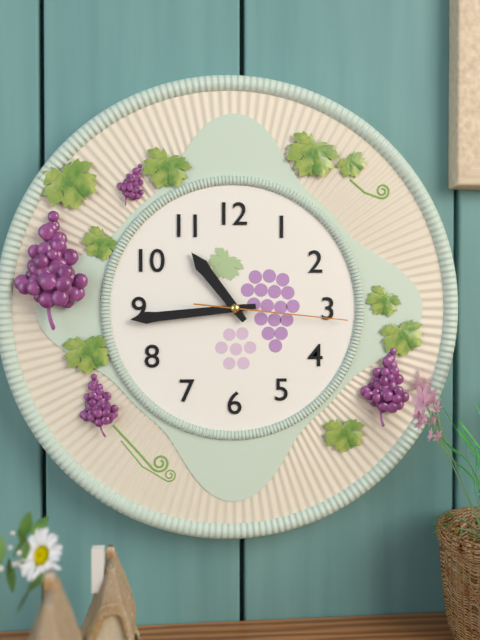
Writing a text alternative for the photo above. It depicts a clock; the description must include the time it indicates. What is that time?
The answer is 10:44:16
